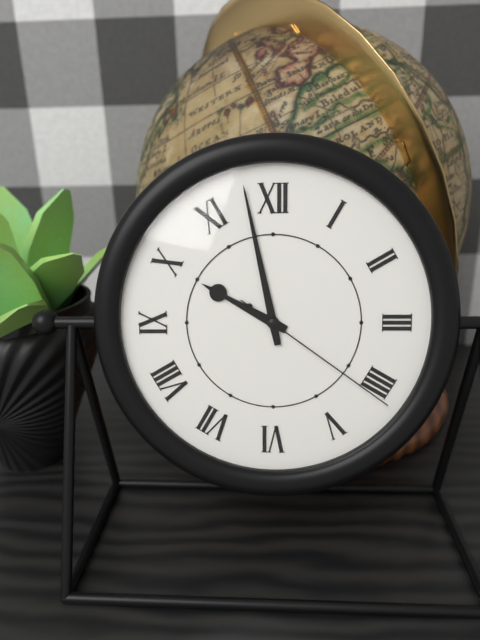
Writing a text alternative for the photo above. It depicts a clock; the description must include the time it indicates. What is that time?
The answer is 9:58:21
